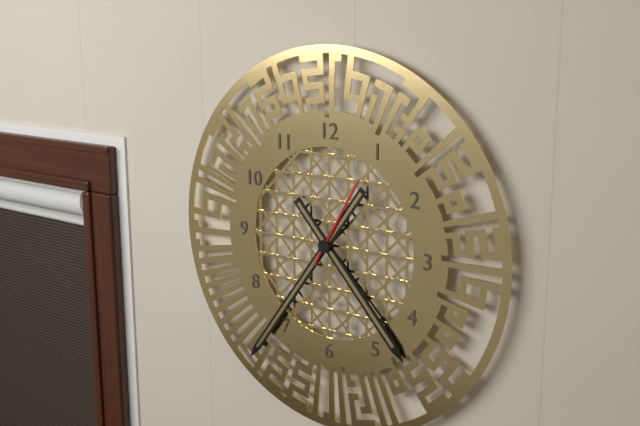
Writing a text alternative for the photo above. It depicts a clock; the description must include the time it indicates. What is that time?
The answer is 4:36:05
